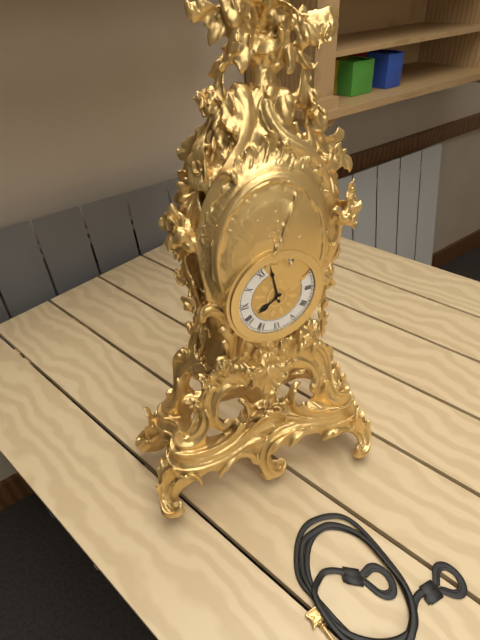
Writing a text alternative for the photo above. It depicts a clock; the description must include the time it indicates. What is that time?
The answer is 7:58
